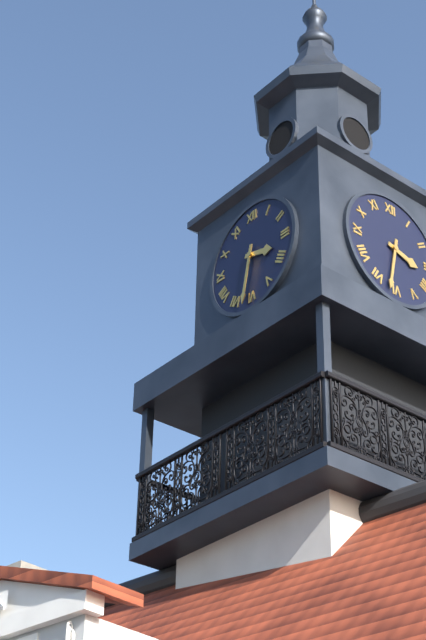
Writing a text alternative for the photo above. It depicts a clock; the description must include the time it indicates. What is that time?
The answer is 3:32
